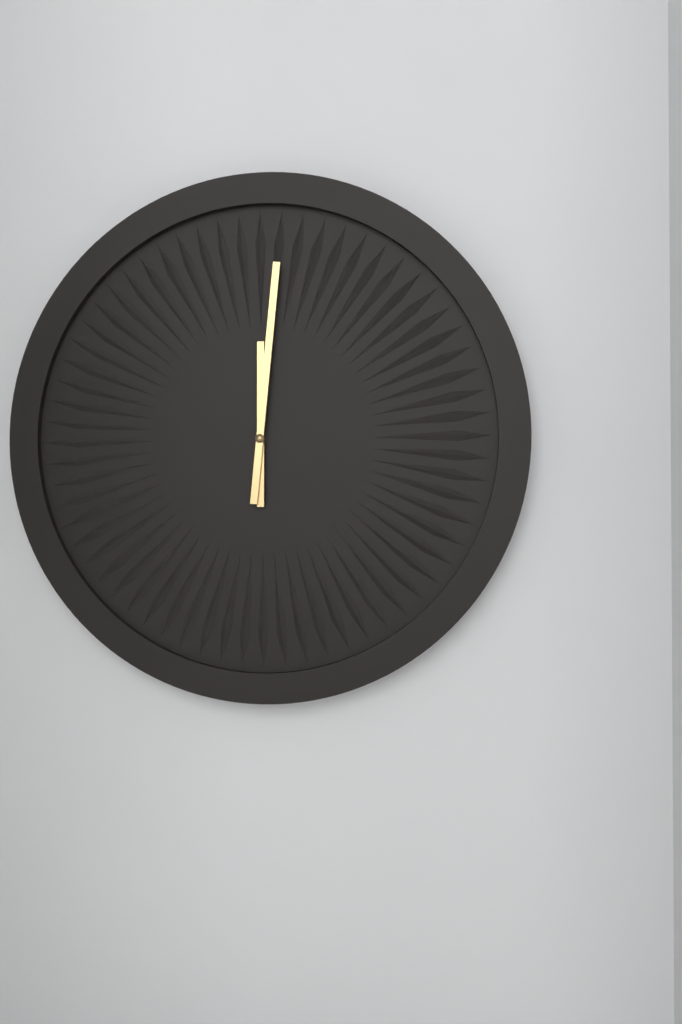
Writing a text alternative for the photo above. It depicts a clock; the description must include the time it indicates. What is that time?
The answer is 12:01
